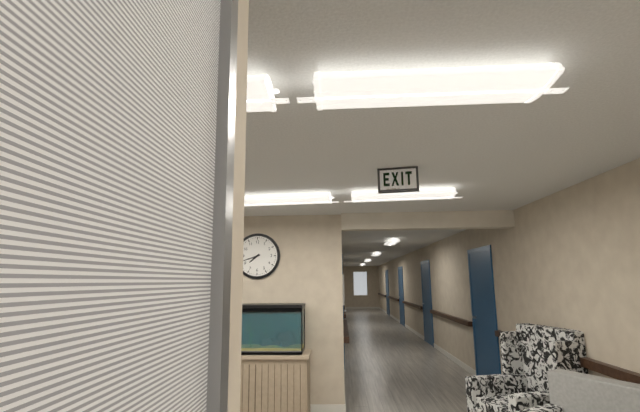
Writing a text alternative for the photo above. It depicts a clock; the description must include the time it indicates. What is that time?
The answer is 7:42
